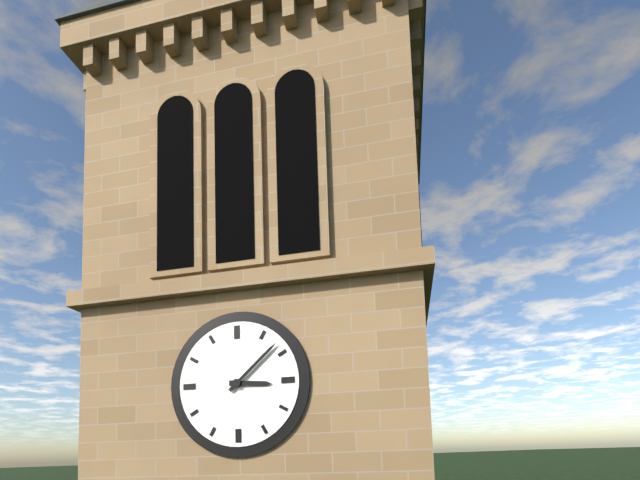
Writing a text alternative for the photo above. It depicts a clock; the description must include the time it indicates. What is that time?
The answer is 3:08
